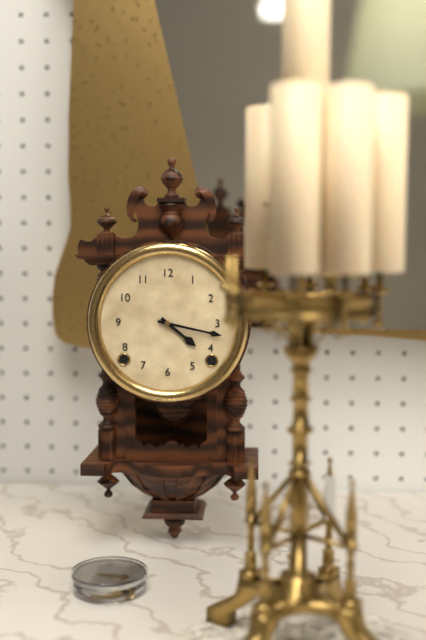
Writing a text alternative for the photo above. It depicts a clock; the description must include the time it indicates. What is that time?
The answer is 4:17
